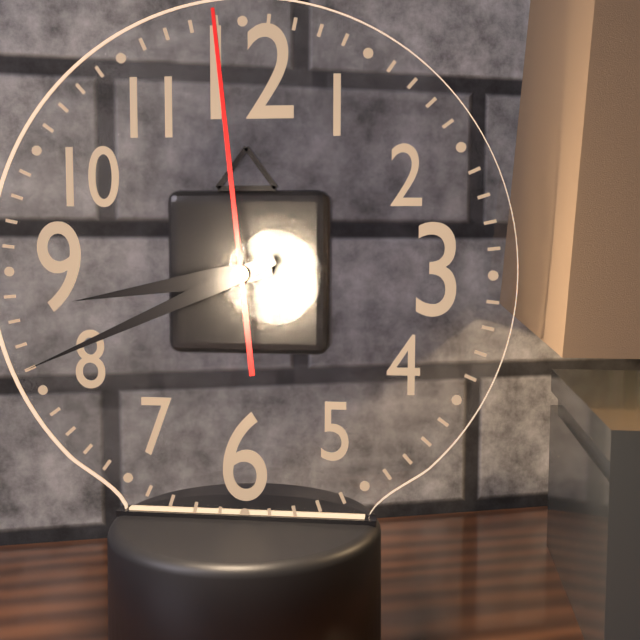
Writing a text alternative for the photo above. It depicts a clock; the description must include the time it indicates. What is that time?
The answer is 8:41:59
